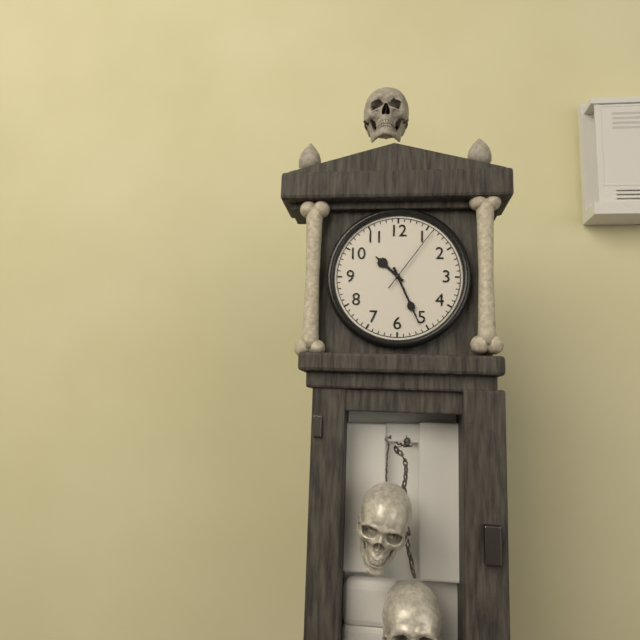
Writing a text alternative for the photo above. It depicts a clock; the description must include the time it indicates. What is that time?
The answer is 10:26:06
